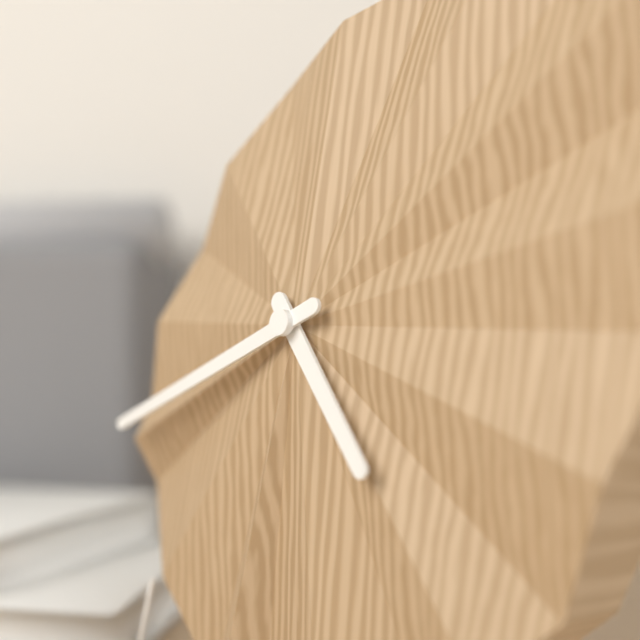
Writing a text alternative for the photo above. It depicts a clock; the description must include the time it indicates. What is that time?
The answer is 4:41
